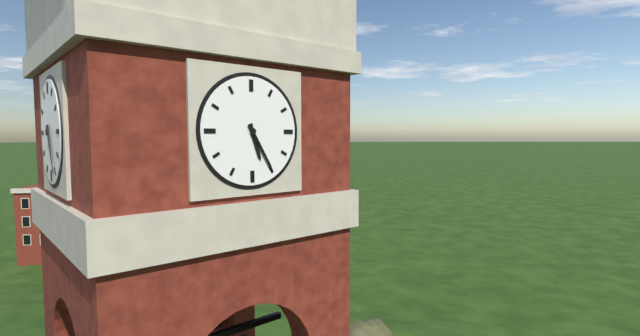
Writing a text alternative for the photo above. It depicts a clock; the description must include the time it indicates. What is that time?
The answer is 5:25
